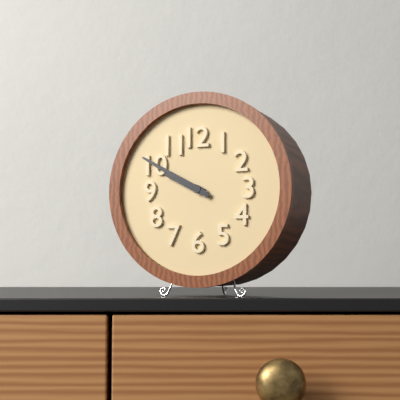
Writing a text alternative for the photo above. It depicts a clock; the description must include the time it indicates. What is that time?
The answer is 9:50
